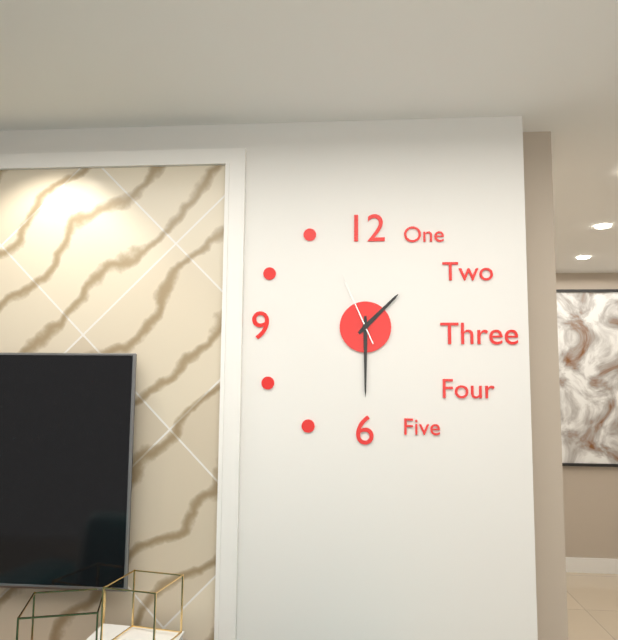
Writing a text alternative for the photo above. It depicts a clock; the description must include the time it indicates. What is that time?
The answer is 1:30:56
